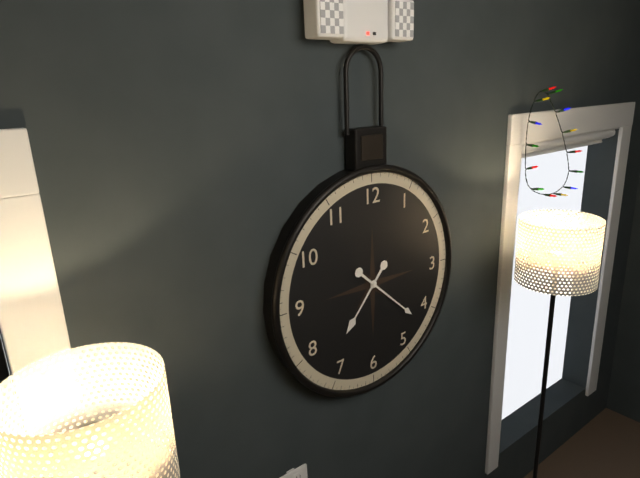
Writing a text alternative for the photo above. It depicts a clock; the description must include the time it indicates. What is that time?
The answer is 7:22
